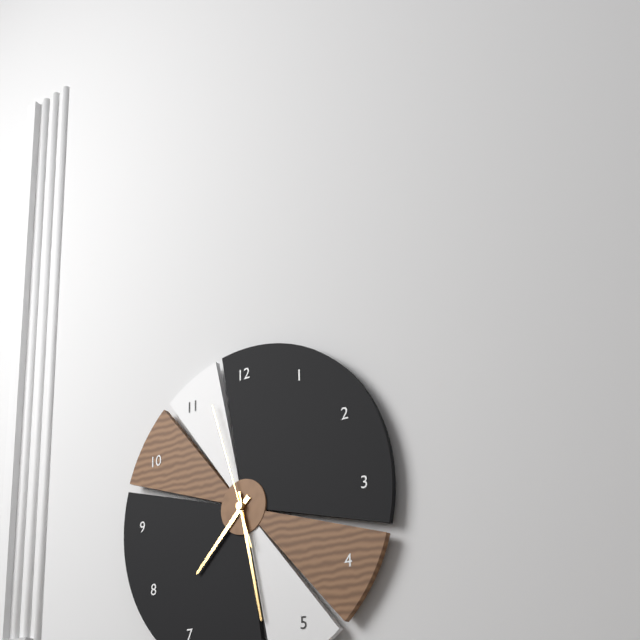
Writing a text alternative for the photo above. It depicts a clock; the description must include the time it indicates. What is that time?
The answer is 7:28:57
